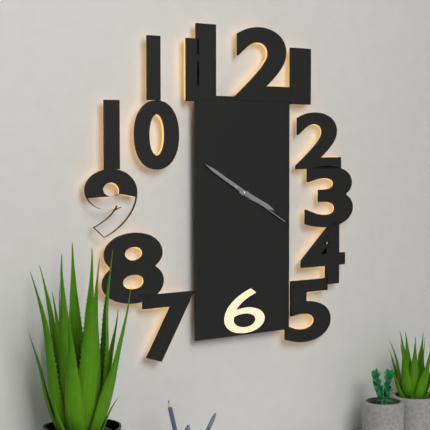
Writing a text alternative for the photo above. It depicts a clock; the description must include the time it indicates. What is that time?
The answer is 3:50:20
